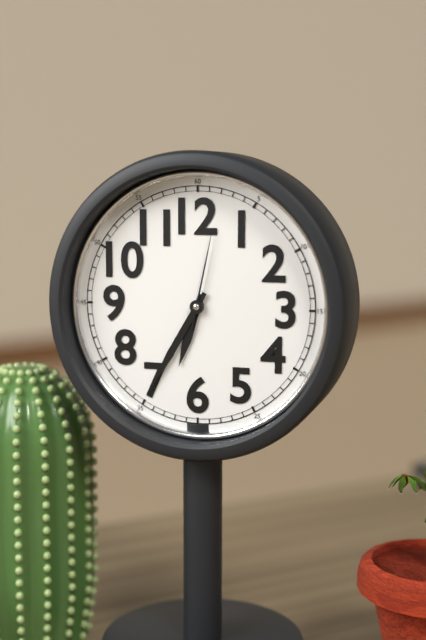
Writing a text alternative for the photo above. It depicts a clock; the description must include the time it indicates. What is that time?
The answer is 6:35:02
